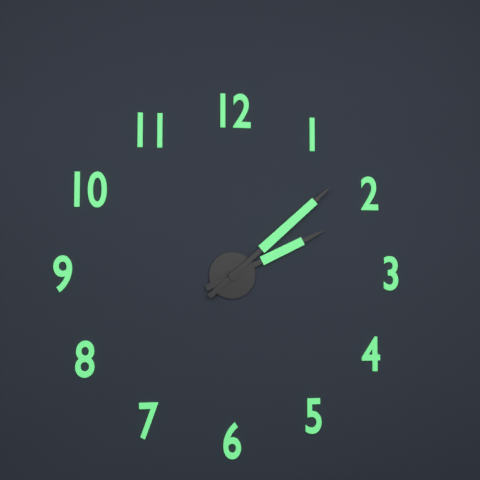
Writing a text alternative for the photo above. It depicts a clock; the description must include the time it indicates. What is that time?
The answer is 2:08
